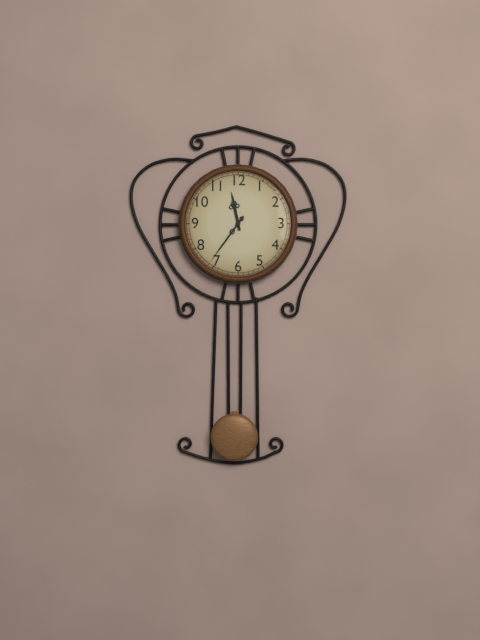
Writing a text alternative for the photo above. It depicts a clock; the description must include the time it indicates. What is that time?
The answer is 11:36
